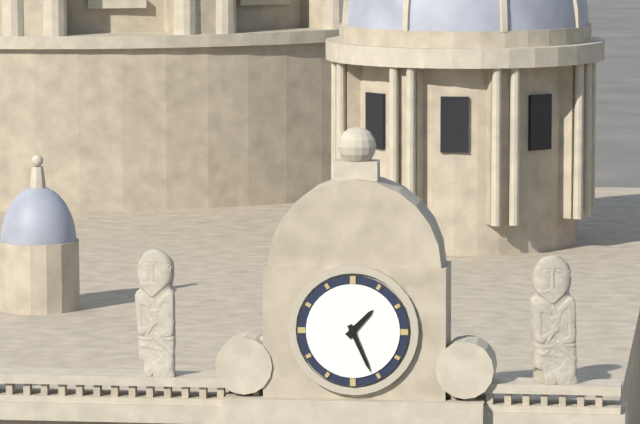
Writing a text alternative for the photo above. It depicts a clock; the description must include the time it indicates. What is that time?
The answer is 1:26
